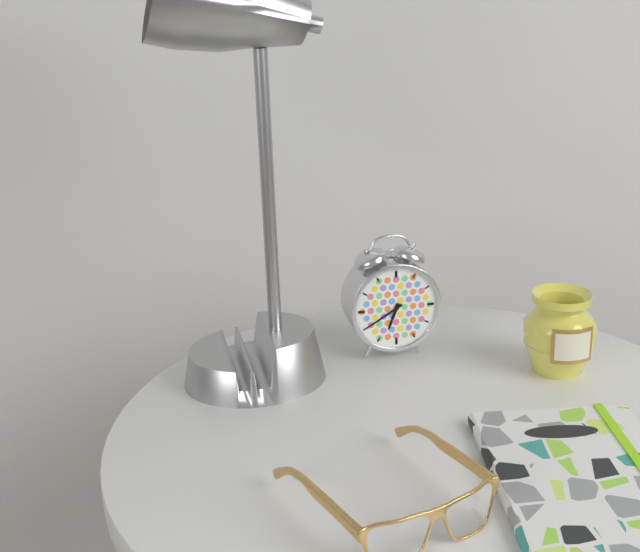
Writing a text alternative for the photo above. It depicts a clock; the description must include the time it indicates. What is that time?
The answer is 6:40
